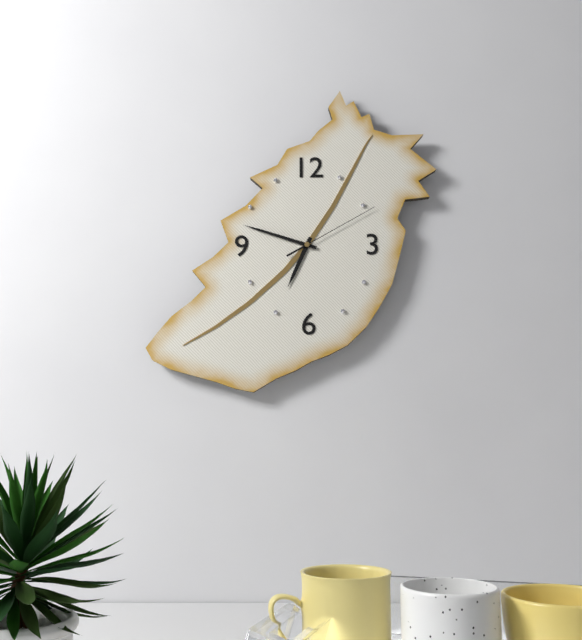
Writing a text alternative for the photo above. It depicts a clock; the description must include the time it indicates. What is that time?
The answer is 6:48:10
